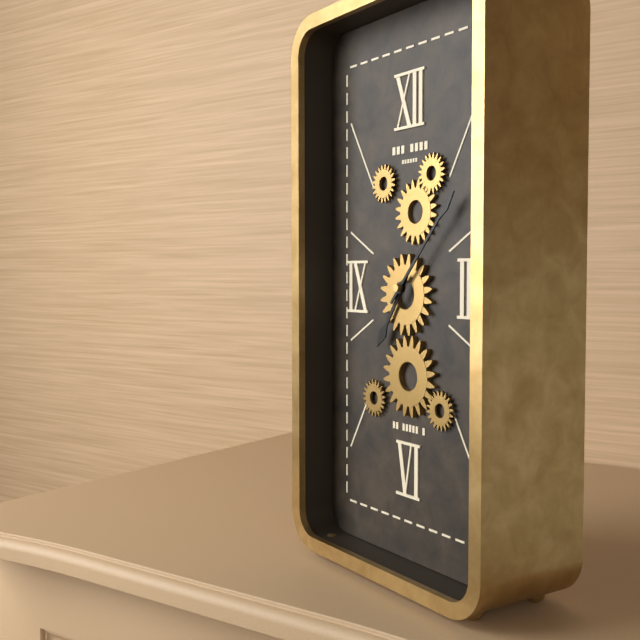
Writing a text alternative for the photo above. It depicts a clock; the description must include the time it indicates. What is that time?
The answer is 7:07
